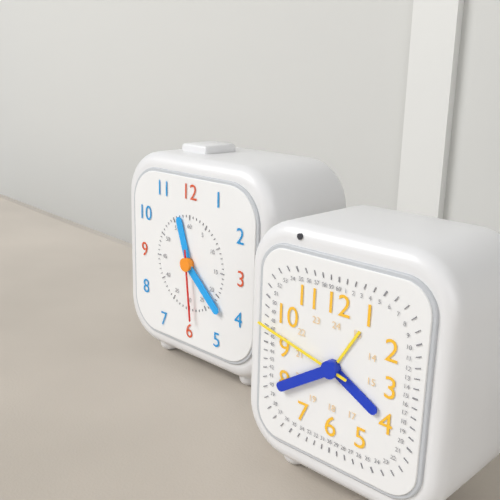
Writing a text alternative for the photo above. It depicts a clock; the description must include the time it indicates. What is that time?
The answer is 11:22:29
